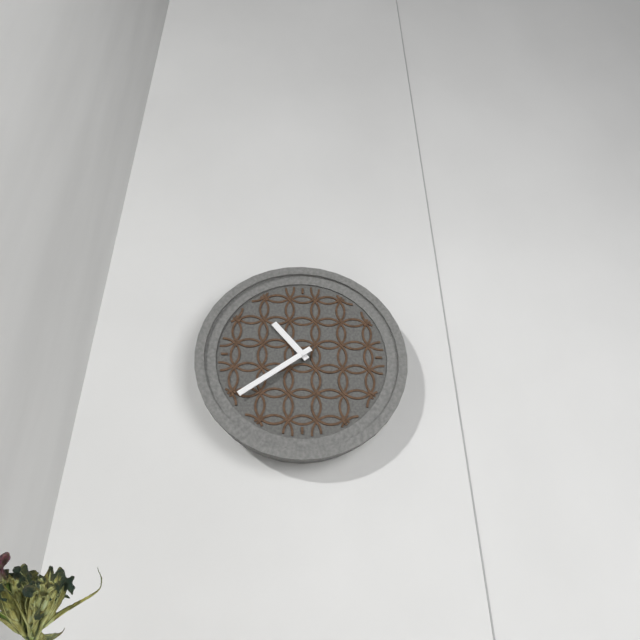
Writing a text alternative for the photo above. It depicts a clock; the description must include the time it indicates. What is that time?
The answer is 10:39
